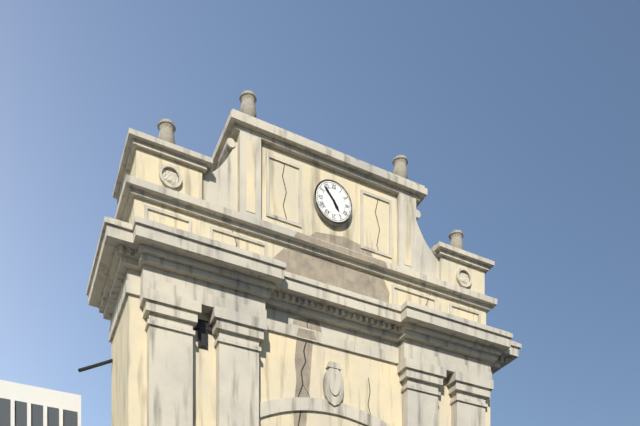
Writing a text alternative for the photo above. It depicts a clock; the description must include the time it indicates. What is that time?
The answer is 4:53
